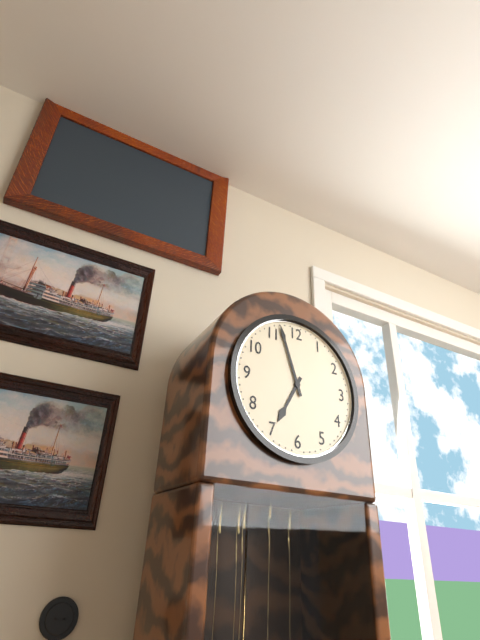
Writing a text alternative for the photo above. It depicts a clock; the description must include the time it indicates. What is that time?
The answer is 6:57
